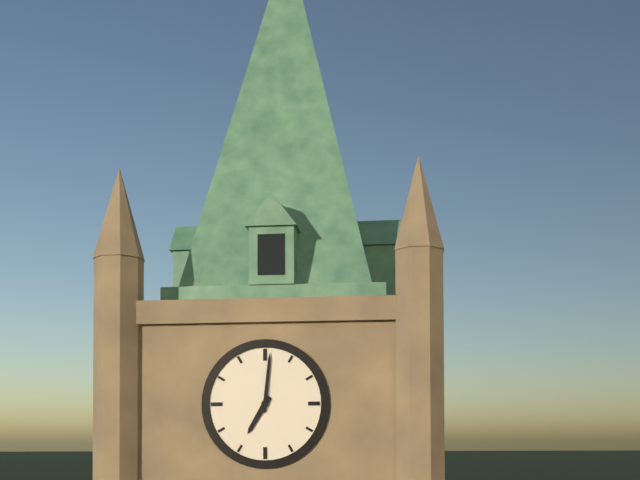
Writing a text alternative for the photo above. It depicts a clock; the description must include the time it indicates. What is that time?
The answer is 7:01
